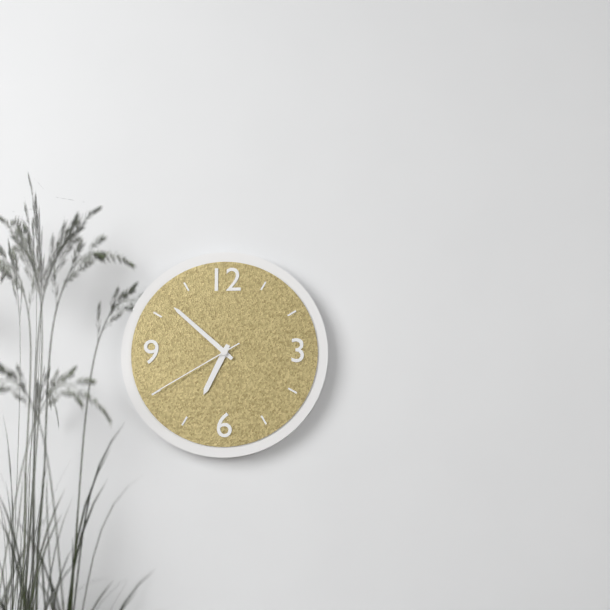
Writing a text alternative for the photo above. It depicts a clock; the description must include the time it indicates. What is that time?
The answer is 6:52:40
